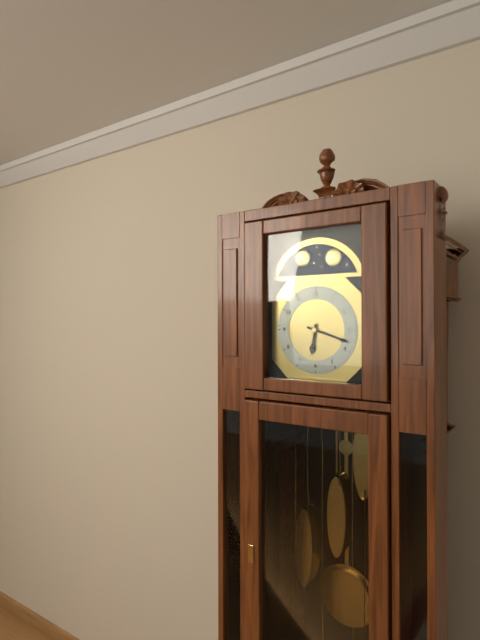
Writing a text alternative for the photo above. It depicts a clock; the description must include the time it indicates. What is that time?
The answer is 6:18
